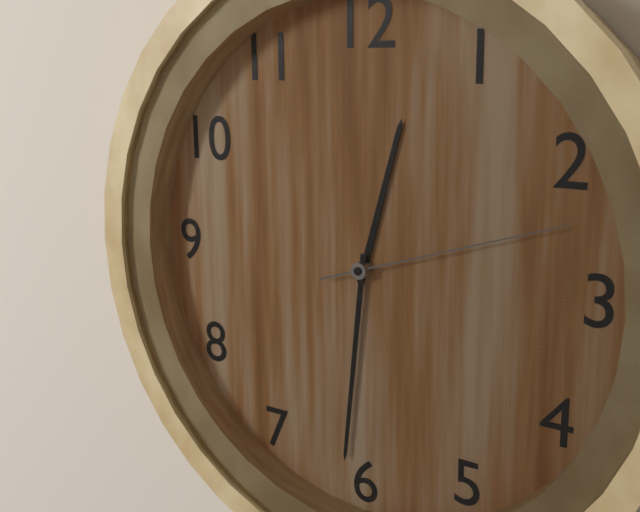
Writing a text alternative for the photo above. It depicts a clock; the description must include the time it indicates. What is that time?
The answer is 12:31:12
